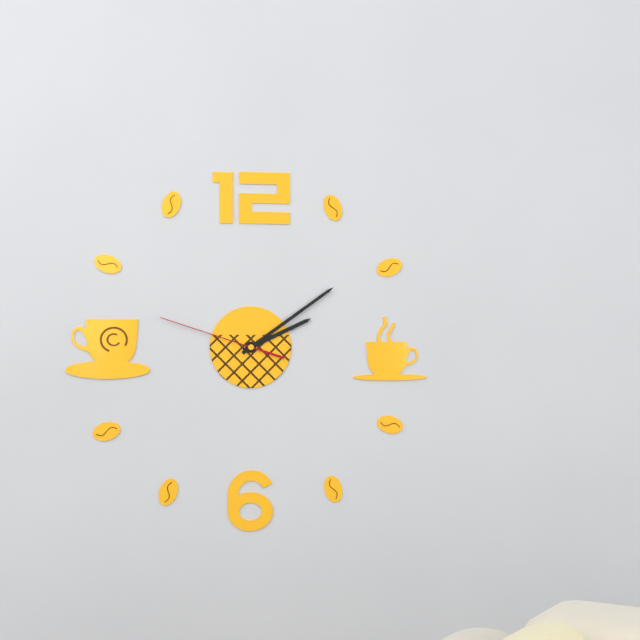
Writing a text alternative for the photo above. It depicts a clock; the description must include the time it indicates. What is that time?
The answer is 2:09:48
